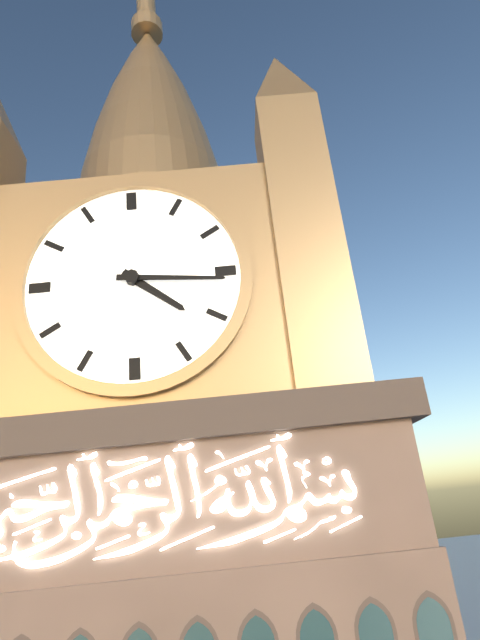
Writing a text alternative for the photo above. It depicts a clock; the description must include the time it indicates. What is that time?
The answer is 4:16
